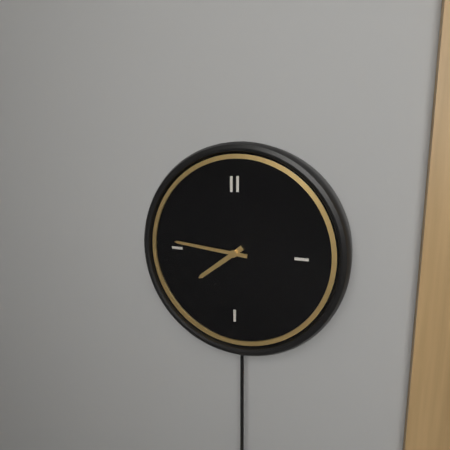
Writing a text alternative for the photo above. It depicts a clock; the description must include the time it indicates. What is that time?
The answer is 7:46
